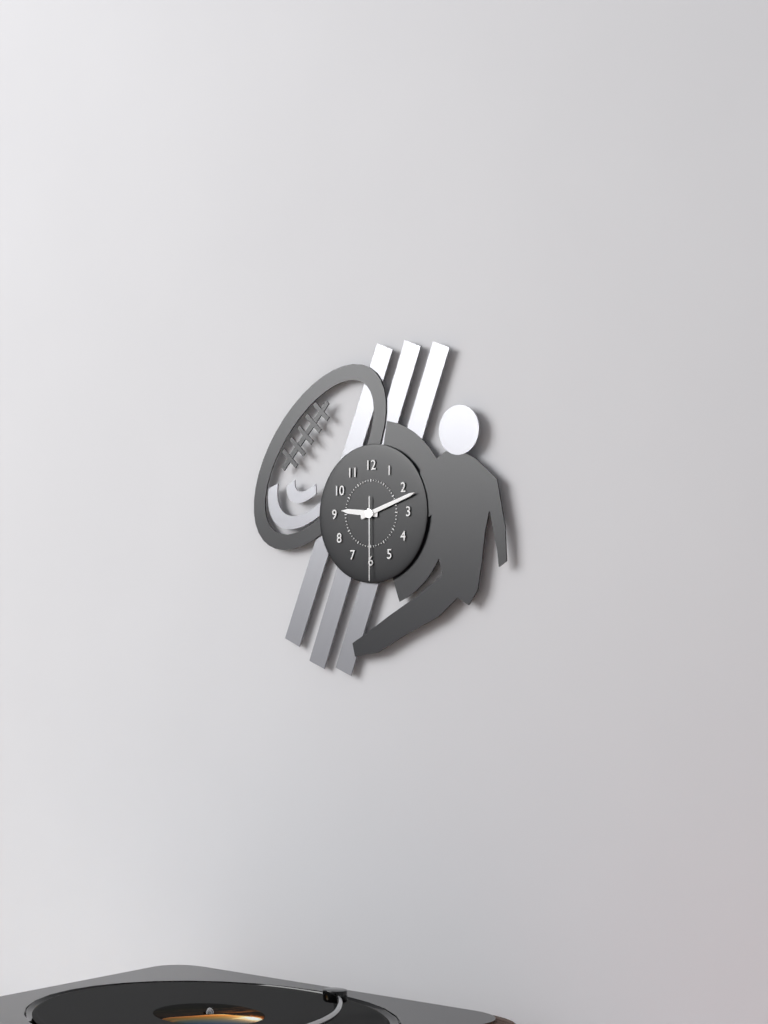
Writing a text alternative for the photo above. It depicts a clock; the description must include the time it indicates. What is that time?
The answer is 9:12:30
